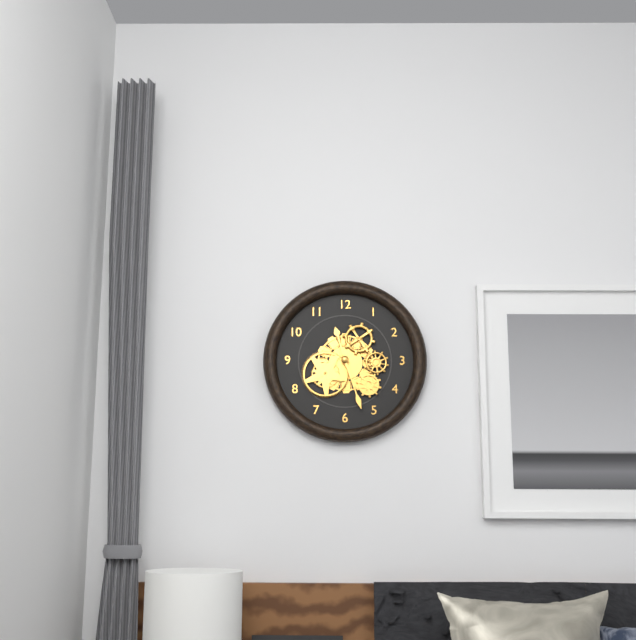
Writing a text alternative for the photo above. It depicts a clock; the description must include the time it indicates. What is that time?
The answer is 11:27
